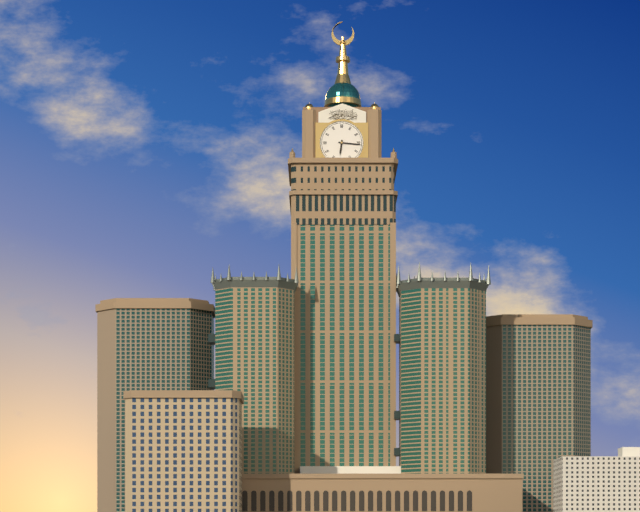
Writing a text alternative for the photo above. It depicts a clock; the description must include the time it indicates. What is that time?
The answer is 6:16
